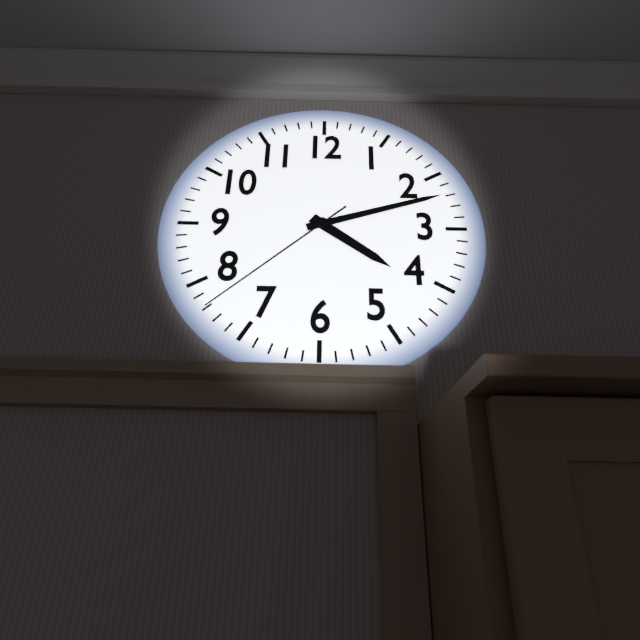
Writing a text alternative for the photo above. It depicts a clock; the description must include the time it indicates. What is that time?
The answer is 4:12:38
